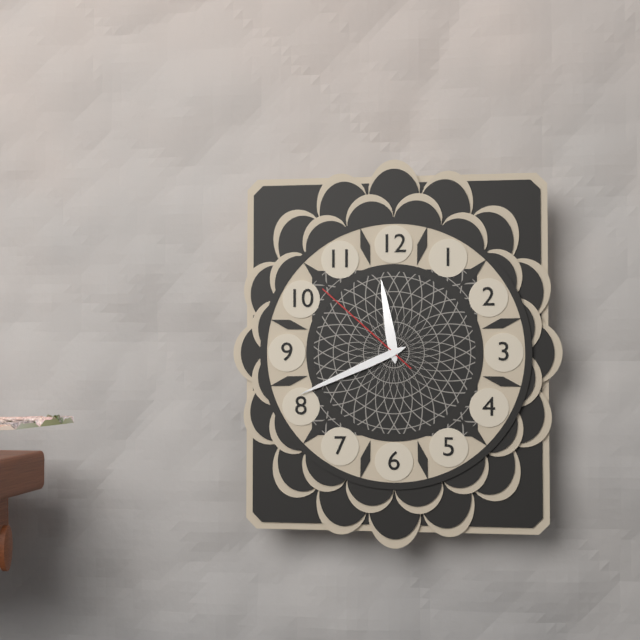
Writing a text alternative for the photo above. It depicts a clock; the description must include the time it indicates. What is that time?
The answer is 11:41:52
